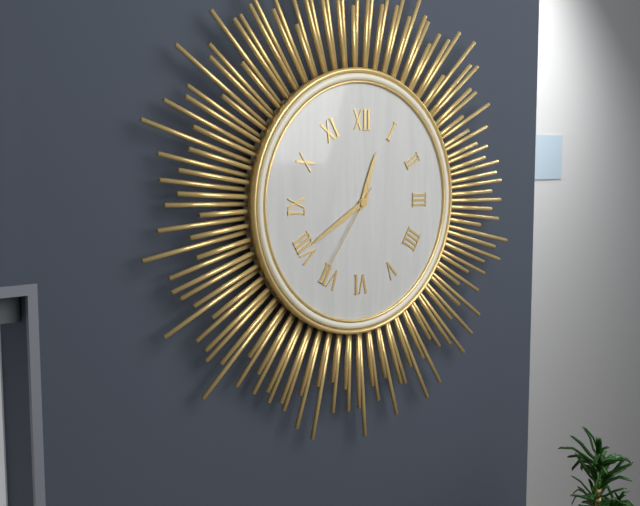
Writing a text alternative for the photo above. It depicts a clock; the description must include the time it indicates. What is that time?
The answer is 12:40:36
